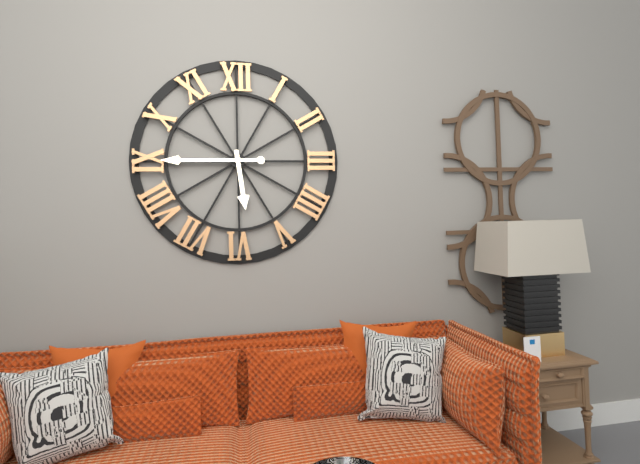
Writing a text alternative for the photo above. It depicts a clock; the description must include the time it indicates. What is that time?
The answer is 5:45
